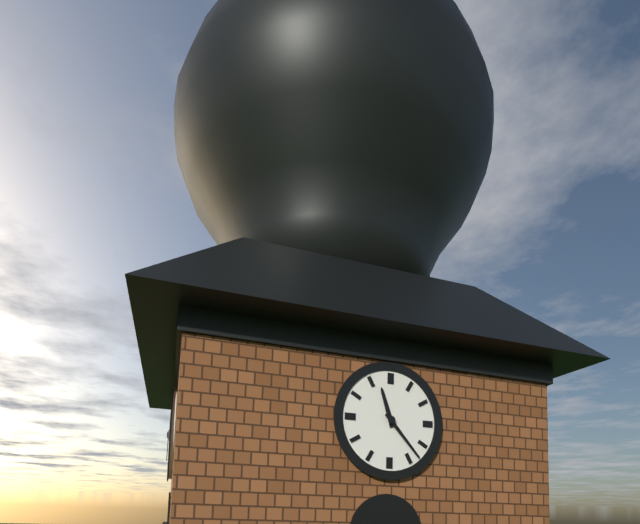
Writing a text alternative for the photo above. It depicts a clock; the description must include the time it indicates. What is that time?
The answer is 11:23
